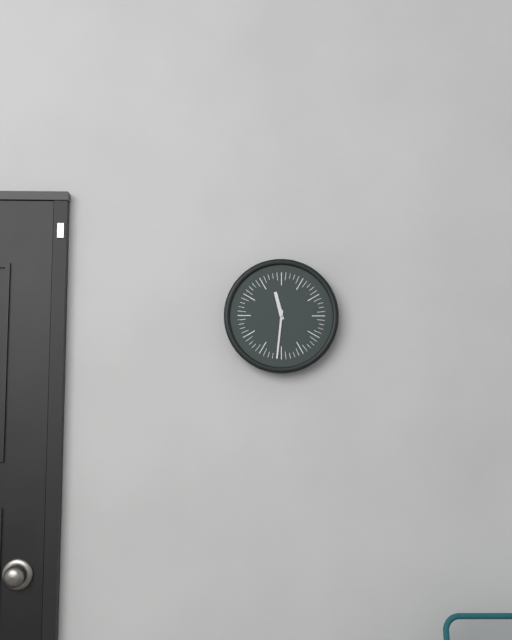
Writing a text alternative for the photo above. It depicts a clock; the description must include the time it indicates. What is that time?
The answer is 11:31
